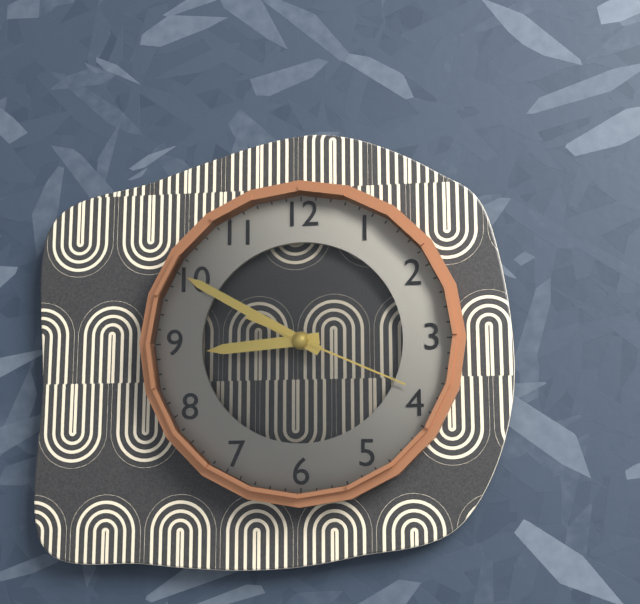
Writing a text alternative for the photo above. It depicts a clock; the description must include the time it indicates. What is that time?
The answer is 8:50:19
